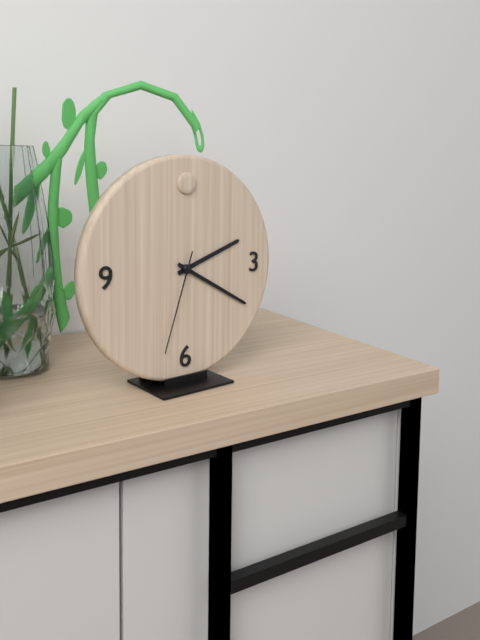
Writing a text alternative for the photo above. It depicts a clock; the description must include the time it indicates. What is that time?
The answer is 2:20:33
